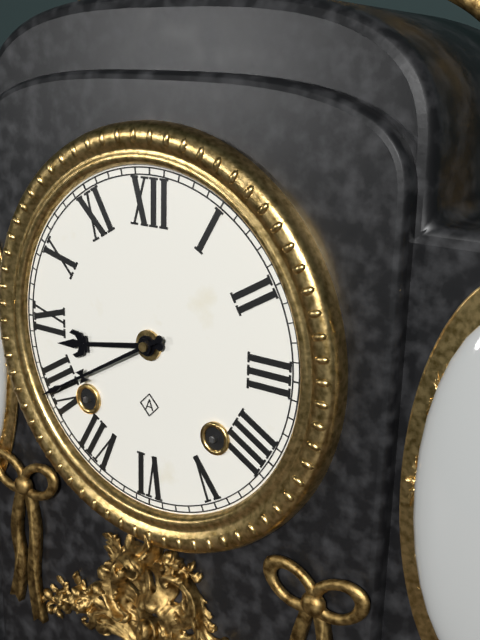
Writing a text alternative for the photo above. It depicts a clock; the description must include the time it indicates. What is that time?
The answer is 8:40
